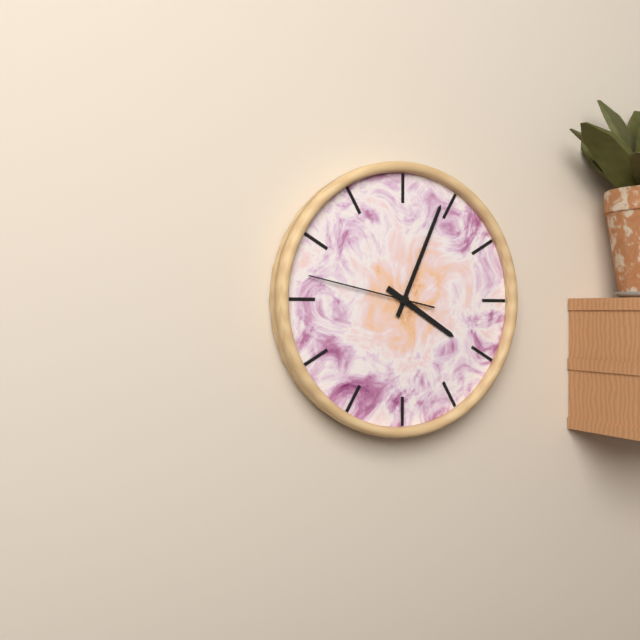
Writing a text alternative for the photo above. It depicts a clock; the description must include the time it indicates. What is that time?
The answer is 4:04:47
